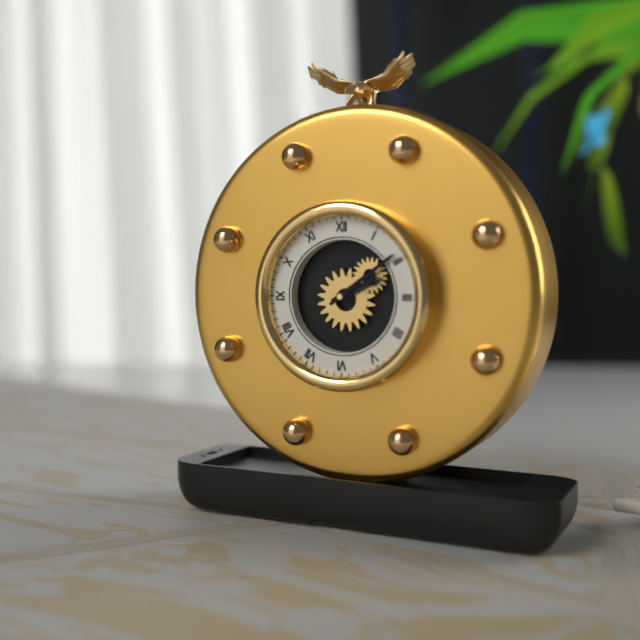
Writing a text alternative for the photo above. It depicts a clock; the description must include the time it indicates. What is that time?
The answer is 2:09
